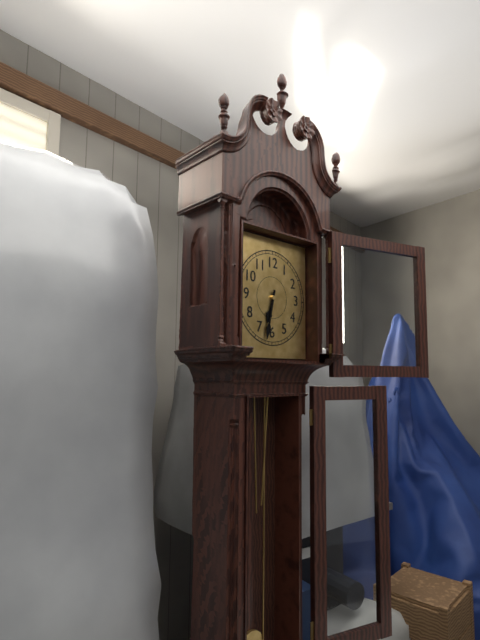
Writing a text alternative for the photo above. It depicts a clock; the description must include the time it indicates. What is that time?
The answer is 6:32
